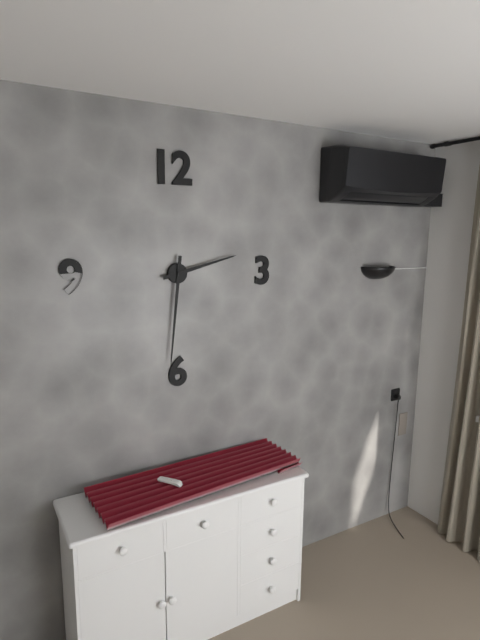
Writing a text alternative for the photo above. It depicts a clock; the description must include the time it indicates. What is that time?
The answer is 2:31
